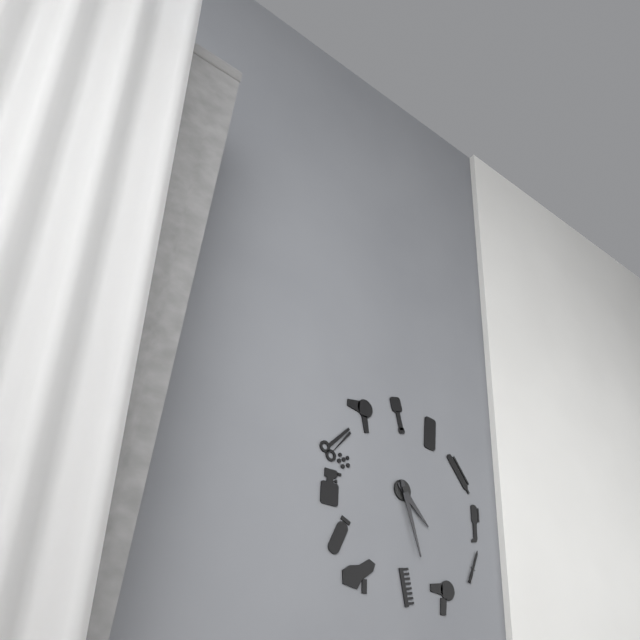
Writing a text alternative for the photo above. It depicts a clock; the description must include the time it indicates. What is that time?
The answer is 4:27
